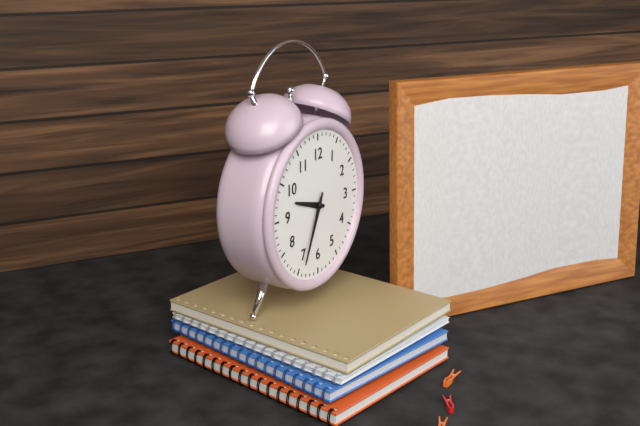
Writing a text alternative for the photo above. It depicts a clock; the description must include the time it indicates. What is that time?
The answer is 9:34
